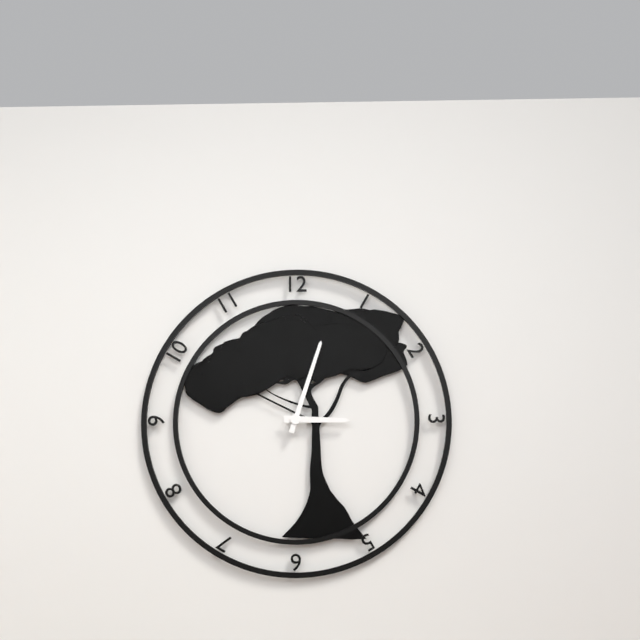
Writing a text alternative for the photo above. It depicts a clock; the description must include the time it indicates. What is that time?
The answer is 3:03
